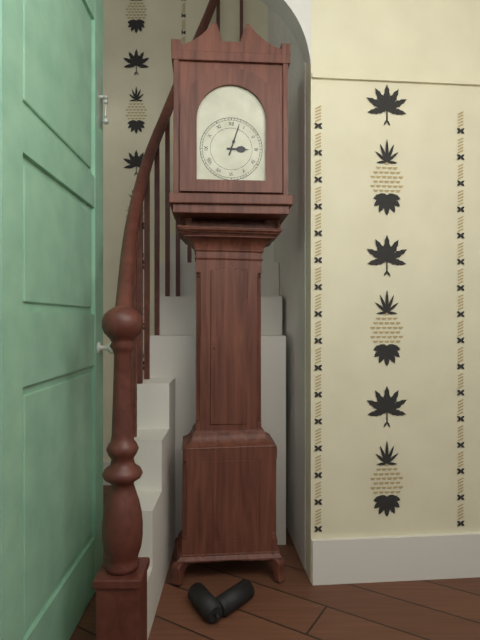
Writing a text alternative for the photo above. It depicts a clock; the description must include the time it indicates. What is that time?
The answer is 3:03
